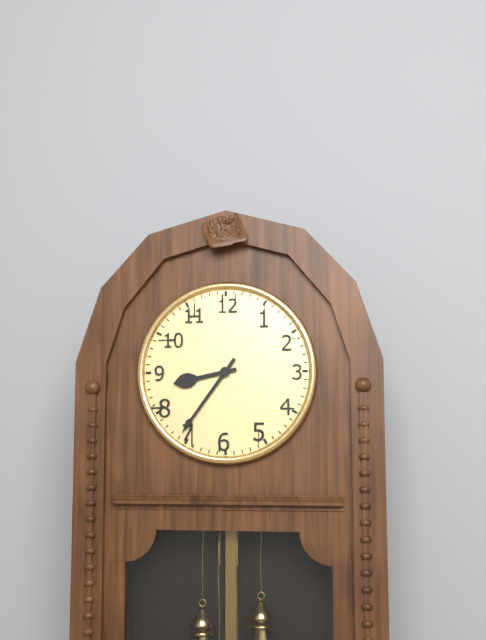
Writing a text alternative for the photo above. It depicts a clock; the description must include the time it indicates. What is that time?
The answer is 8:36
